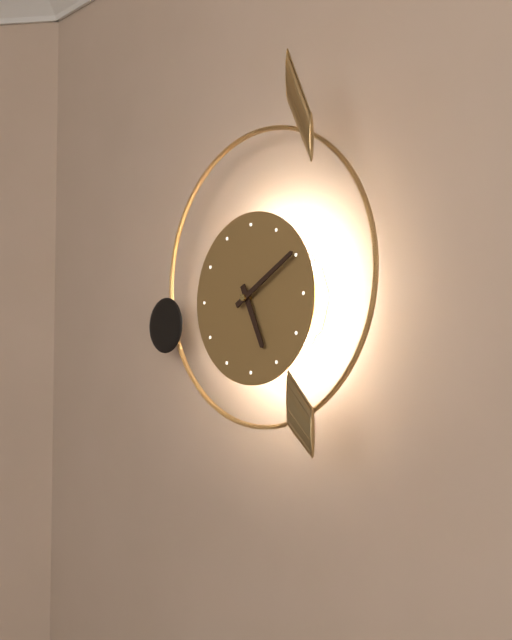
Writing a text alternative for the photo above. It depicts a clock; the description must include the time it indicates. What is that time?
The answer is 5:10
